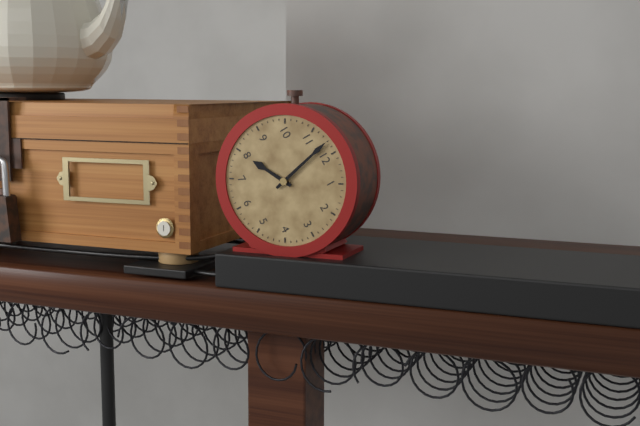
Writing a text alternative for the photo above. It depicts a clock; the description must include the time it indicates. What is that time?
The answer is 7:58
